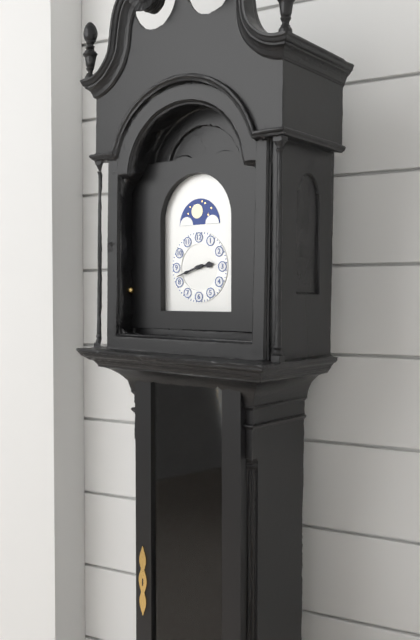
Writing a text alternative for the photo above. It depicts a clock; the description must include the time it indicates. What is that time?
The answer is 2:42
